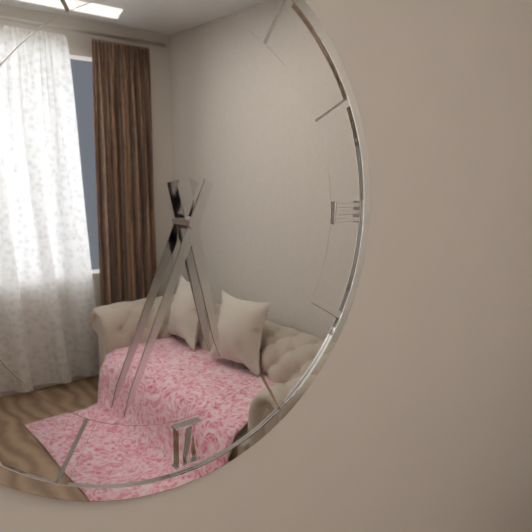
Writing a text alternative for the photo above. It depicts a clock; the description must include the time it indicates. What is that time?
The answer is 5:34
